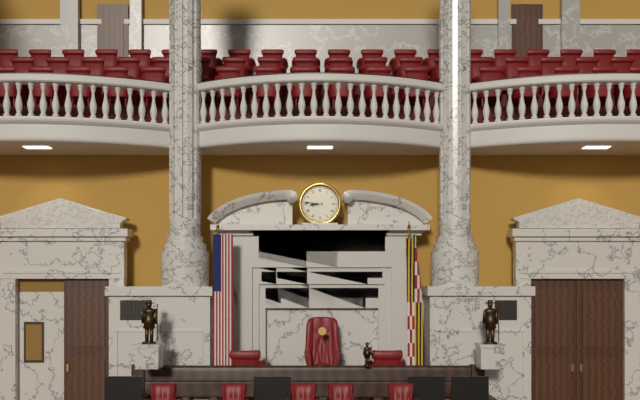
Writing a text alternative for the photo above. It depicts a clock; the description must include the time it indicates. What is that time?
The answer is 8:46
